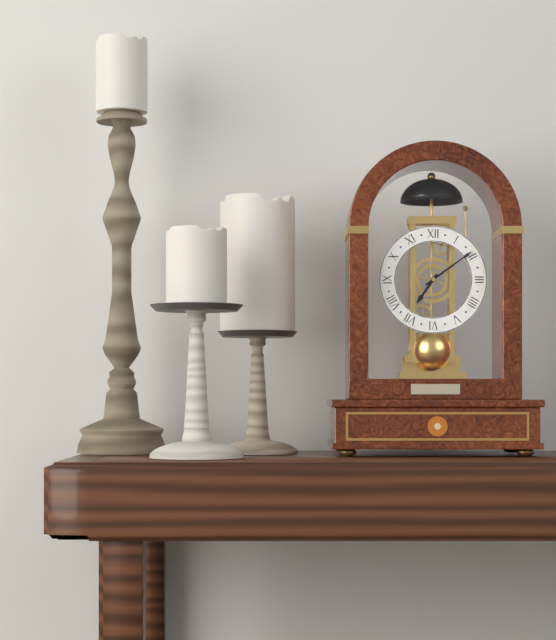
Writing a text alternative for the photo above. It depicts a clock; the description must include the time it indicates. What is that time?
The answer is 7:09
